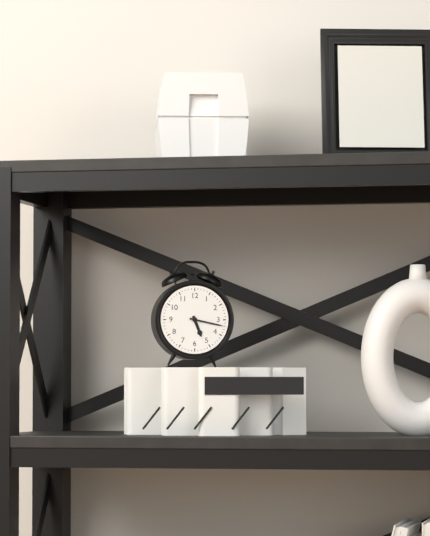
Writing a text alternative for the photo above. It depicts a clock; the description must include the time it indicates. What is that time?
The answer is 5:17
